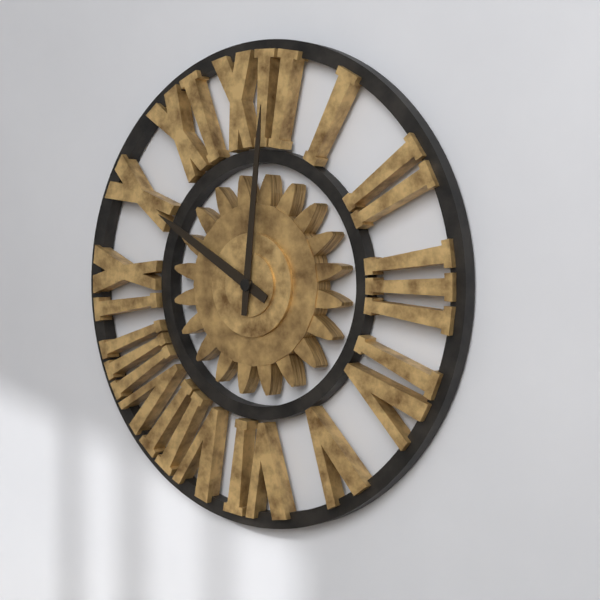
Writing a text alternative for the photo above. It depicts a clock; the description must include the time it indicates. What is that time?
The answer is 10:01
